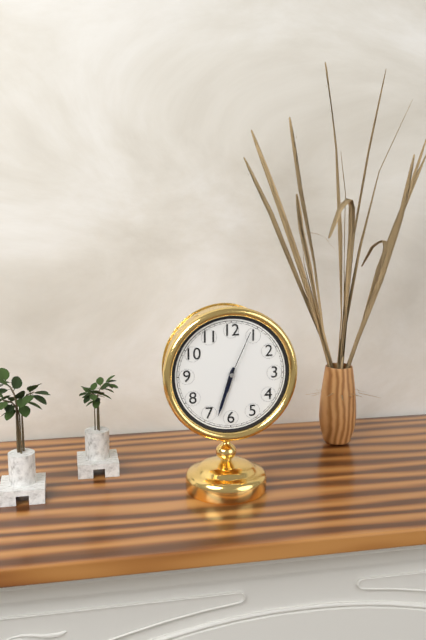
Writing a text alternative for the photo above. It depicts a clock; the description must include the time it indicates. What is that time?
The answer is 6:33:04
